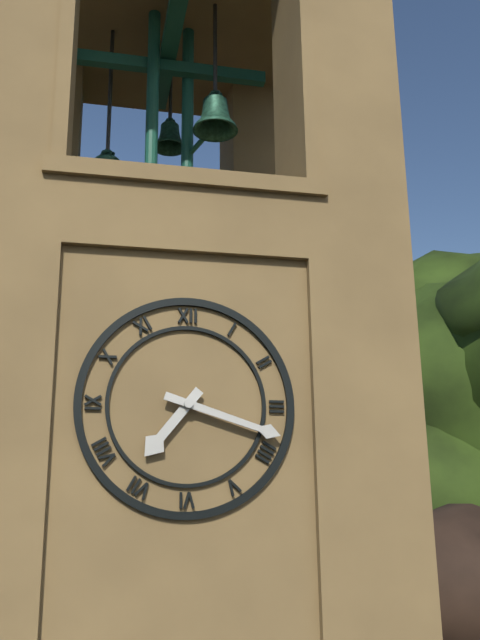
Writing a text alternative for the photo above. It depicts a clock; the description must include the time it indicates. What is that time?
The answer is 7:18
